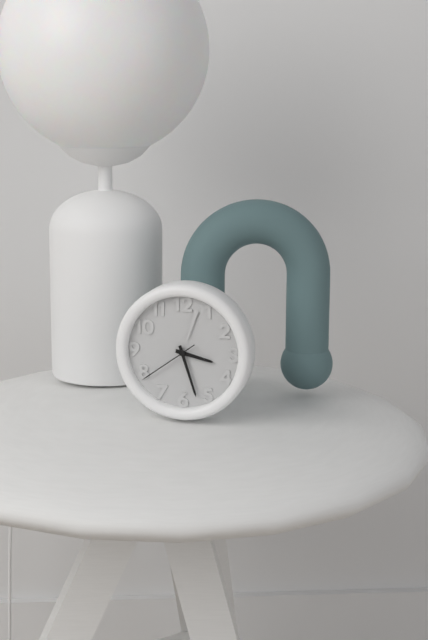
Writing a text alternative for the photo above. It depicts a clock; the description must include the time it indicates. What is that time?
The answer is 3:27:39
